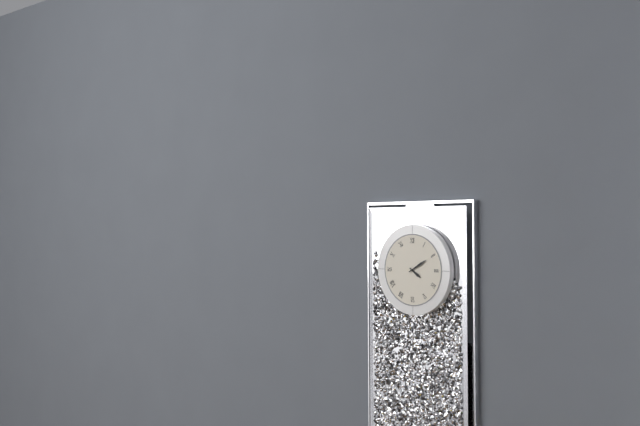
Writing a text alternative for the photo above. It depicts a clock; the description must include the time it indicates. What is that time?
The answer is 4:10
